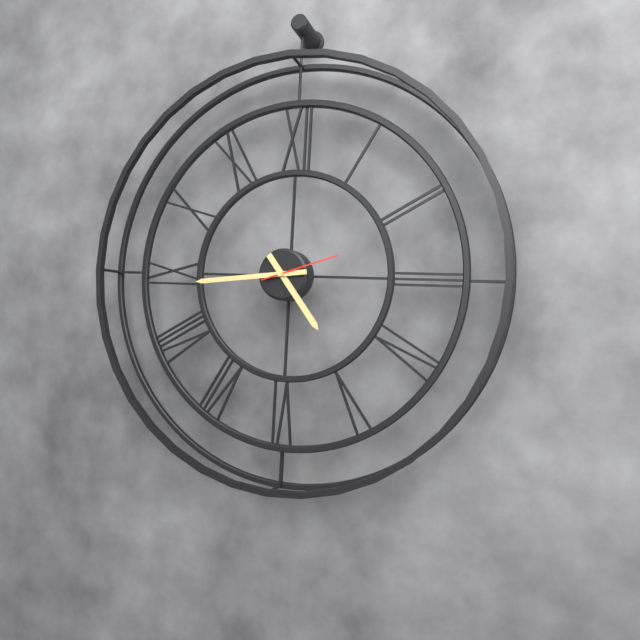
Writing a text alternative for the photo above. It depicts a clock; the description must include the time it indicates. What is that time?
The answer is 4:44:12
